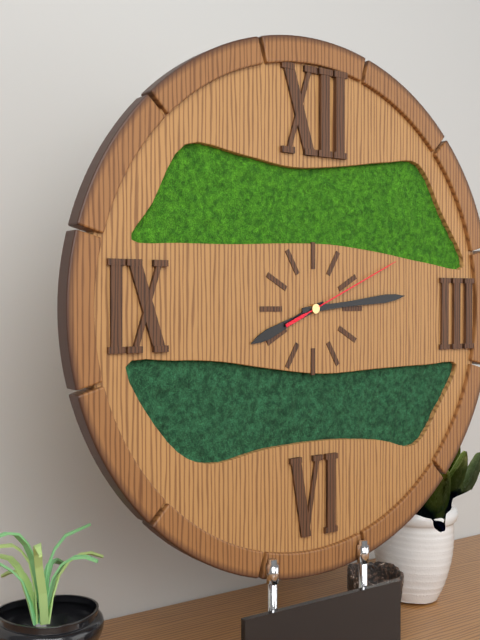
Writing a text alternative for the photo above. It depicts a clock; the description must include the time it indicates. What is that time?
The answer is 8:14:11
